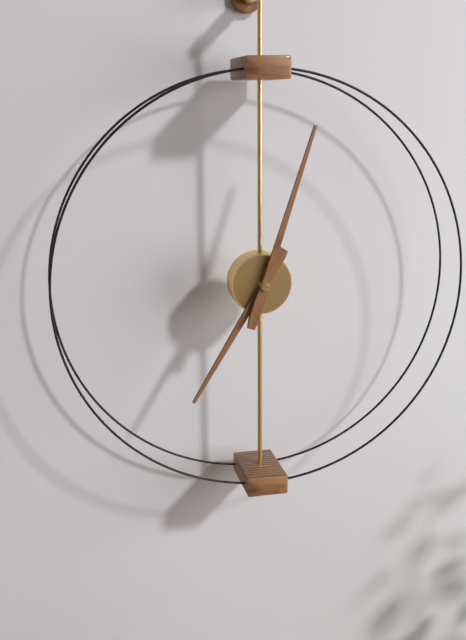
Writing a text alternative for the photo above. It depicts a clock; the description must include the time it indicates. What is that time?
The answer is 7:03
